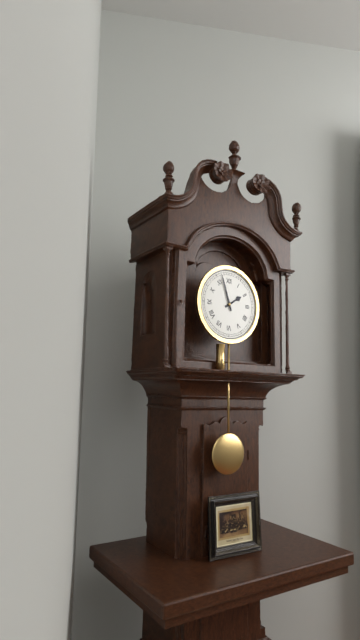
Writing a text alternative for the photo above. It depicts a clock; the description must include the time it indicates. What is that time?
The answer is 1:57
